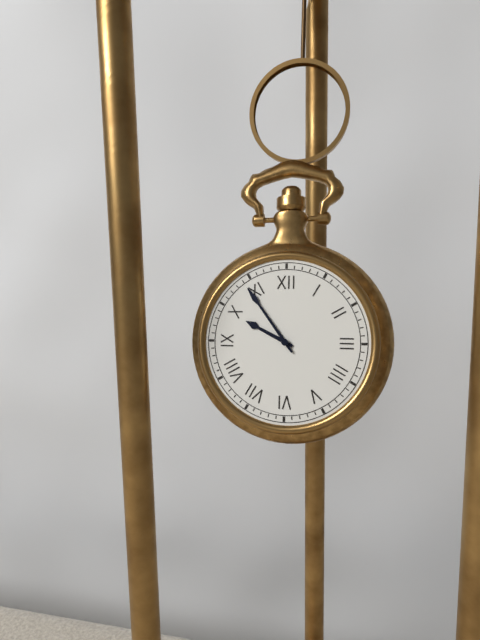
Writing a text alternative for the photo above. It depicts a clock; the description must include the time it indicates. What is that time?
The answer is 9:54
